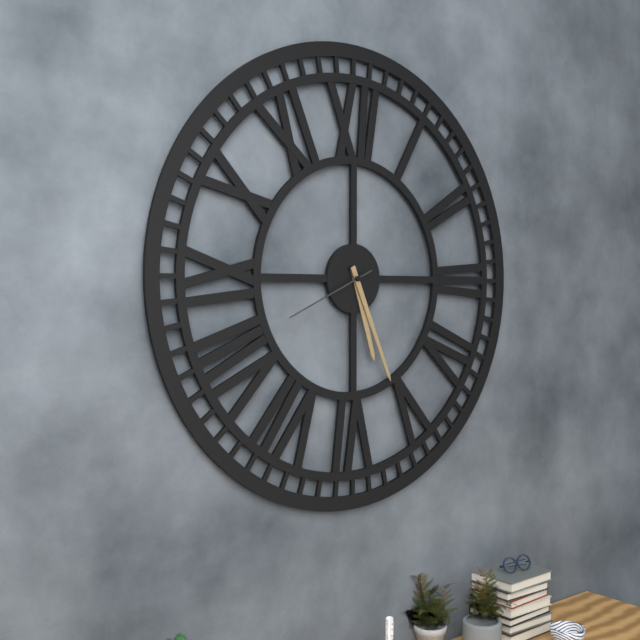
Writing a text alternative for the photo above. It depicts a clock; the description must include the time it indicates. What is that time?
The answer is 5:26:41
